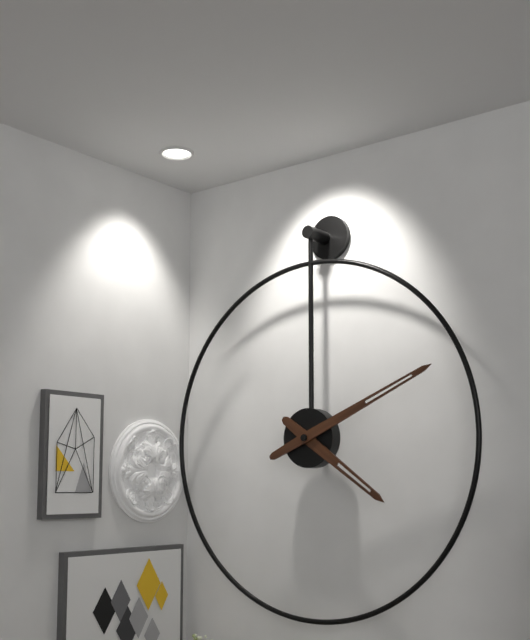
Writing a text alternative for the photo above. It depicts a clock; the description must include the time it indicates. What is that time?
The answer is 4:11
